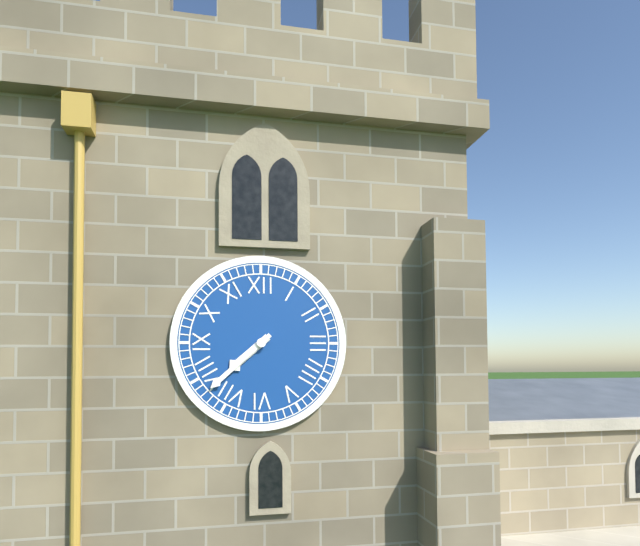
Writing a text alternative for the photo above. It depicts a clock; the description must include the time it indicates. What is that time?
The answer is 7:38
